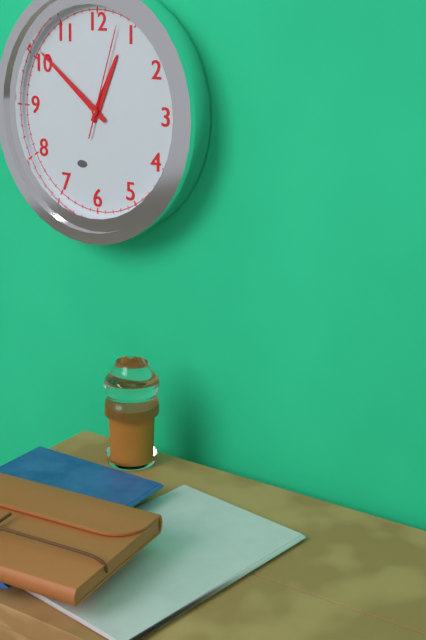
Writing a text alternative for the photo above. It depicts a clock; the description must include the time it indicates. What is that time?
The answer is 12:51:03
